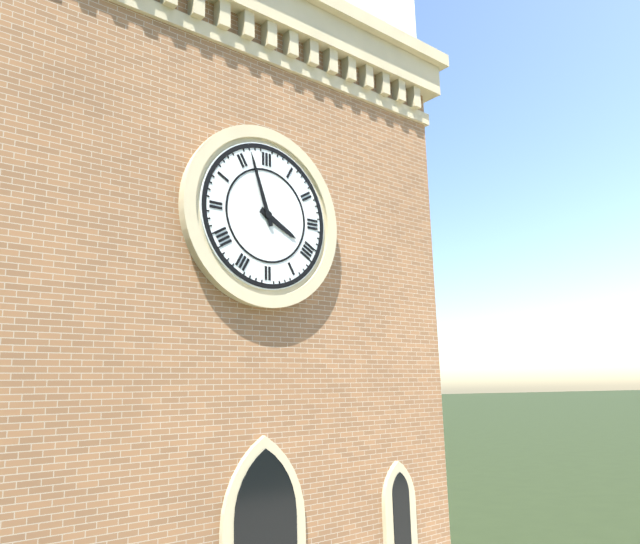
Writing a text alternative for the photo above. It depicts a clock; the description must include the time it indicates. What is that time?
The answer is 3:57
